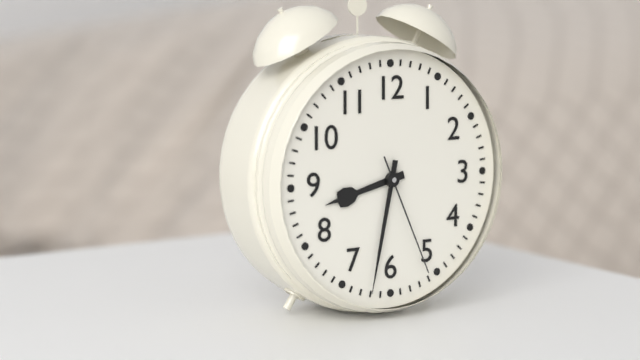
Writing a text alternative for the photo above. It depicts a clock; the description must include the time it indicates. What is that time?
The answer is 8:32:26
